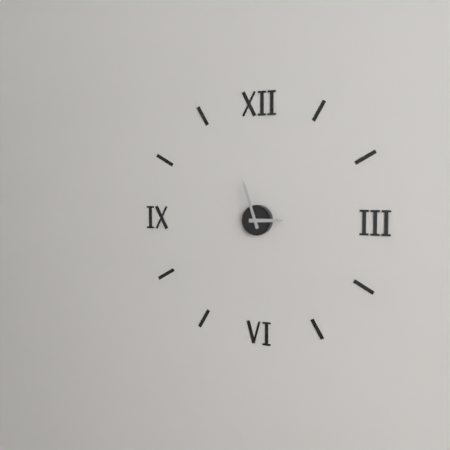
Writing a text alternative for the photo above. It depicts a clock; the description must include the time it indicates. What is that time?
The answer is 2:57
